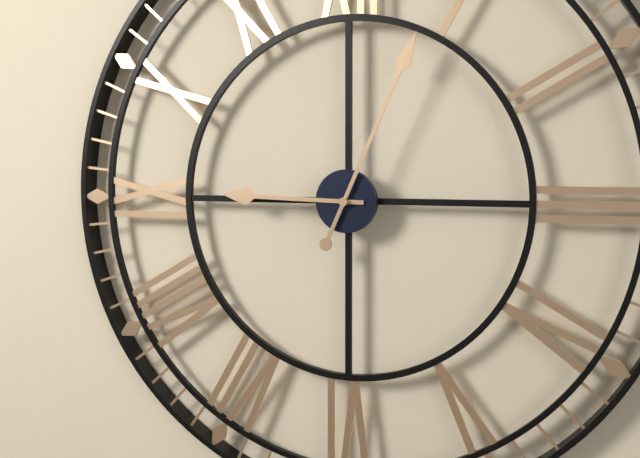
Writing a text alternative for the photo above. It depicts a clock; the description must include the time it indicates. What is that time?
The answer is 9:04
